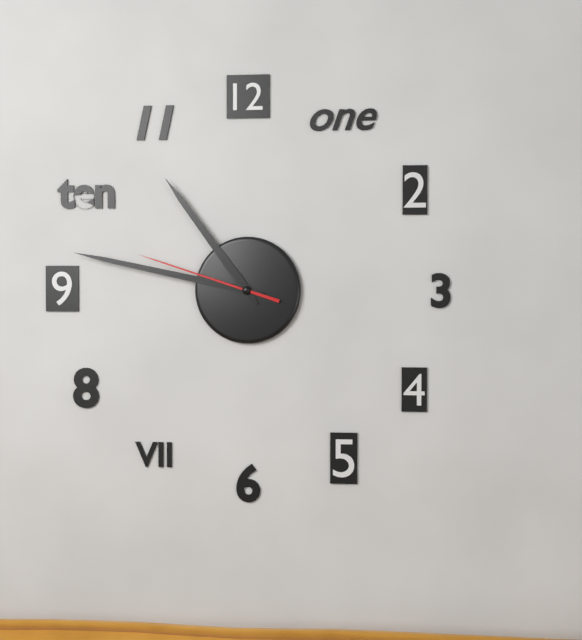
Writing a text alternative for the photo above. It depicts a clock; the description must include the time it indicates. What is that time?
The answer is 10:47:48
